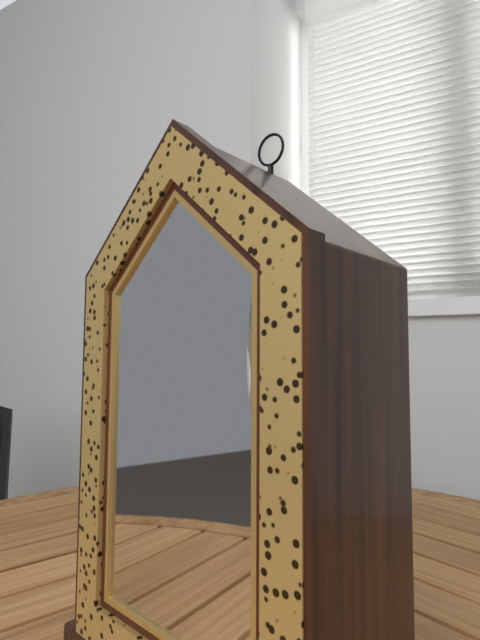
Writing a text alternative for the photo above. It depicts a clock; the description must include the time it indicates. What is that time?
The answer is 11:30
